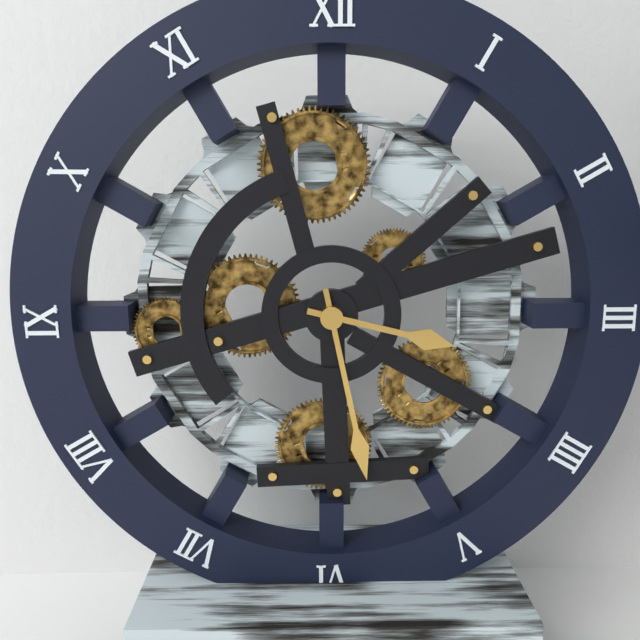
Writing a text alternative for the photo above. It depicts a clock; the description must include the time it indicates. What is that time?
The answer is 3:28
